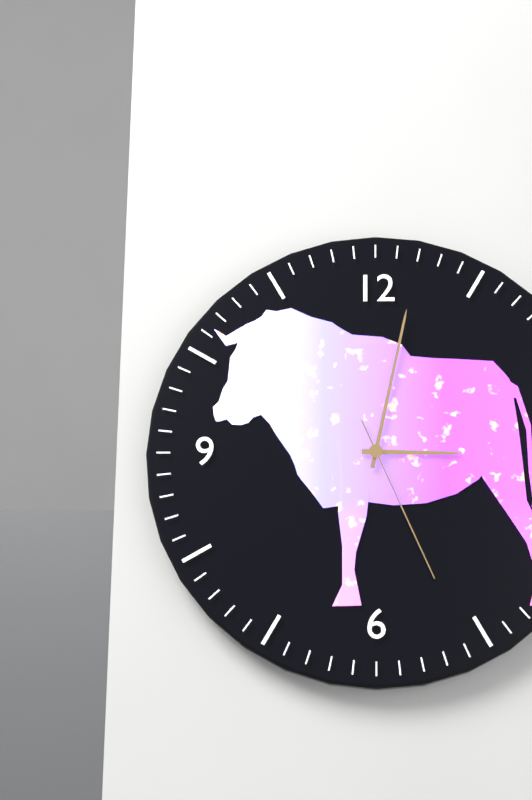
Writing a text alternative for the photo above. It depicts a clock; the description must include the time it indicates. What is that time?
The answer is 3:02:26
